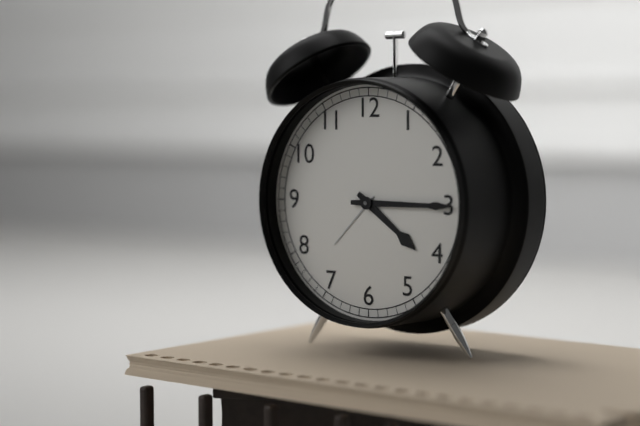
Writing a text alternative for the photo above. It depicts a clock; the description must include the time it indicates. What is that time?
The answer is 4:15
